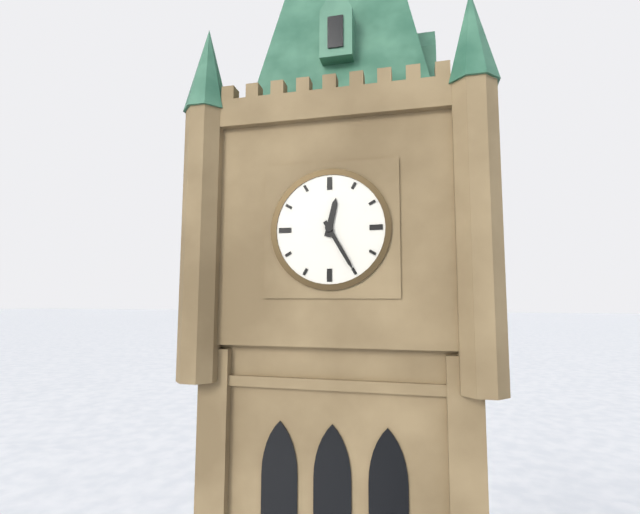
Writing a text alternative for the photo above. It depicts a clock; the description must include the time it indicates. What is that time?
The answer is 12:25
